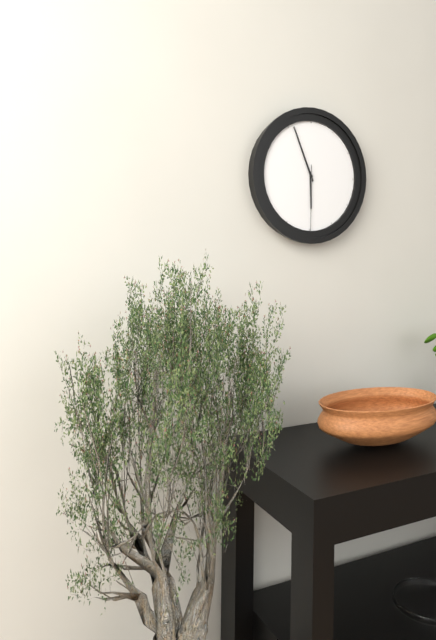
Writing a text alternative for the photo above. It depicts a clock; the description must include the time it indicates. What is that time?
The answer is 5:56:30
